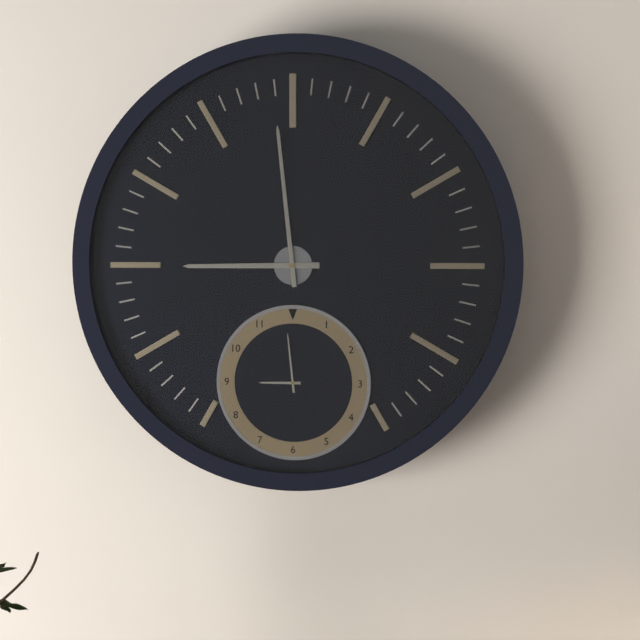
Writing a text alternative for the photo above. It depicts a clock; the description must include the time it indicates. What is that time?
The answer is 8:59
